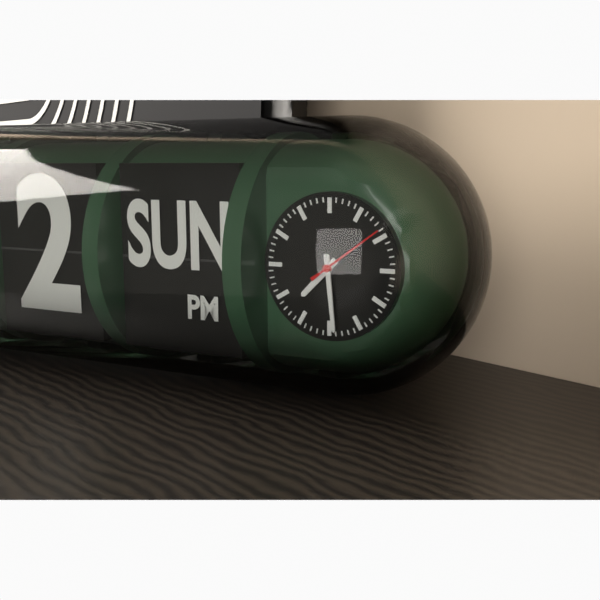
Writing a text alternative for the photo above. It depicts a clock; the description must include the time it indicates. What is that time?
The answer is 7:29:09
